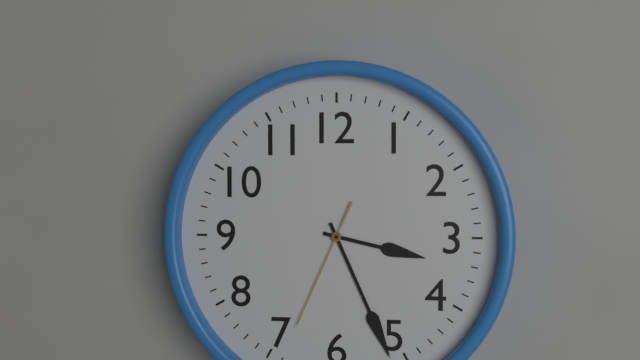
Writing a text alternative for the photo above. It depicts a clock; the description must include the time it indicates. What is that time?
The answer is 3:26:34
